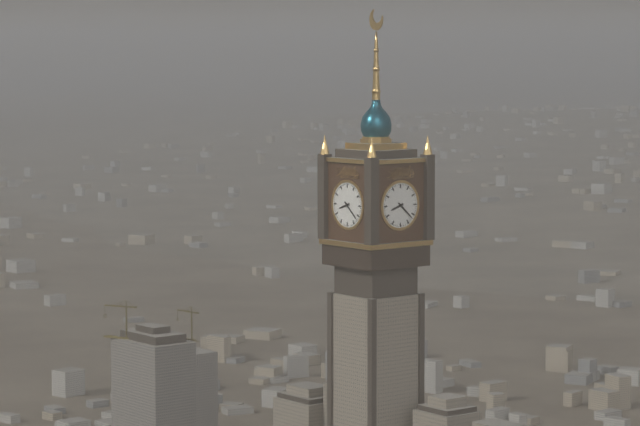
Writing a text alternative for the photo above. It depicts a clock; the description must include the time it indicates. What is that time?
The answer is 8:22
